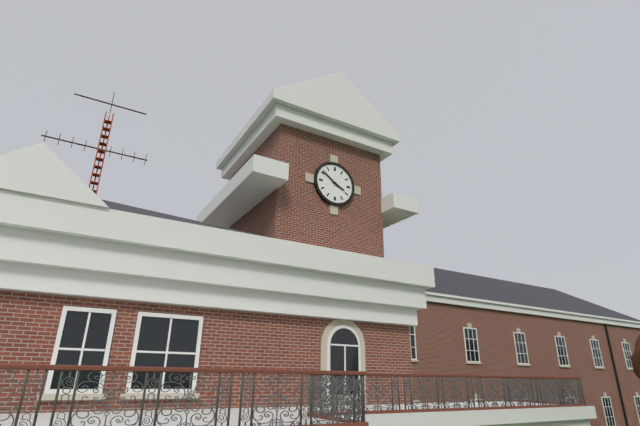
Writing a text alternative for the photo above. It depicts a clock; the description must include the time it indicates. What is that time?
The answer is 3:51
